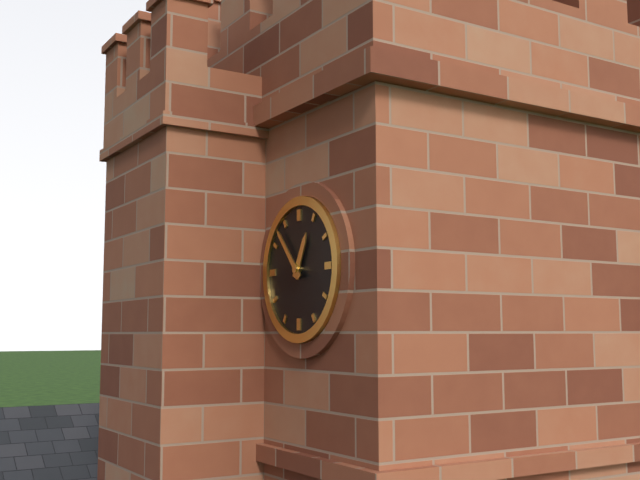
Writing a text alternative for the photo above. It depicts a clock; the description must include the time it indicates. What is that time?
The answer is 12:53
